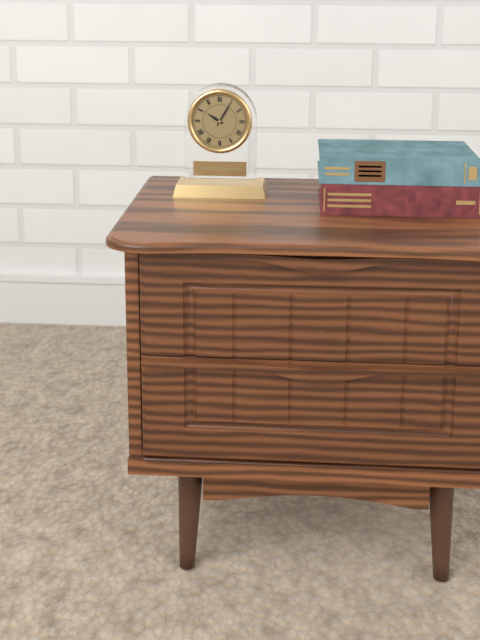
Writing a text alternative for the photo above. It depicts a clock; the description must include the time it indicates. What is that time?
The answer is 10:05
